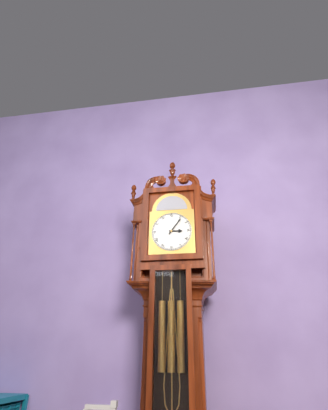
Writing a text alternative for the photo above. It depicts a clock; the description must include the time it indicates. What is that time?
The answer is 3:06
